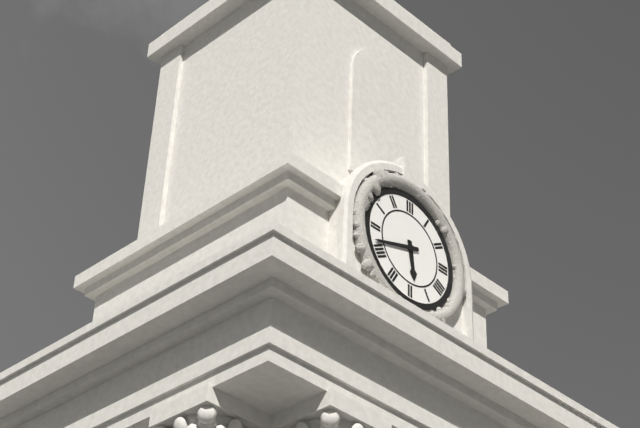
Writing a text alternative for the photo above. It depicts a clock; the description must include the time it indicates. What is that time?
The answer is 5:42
